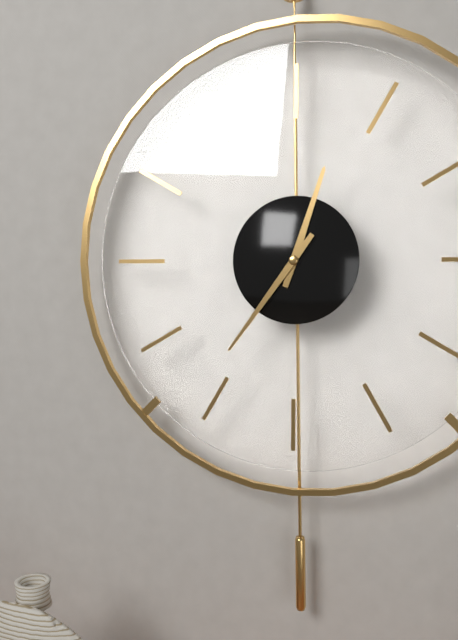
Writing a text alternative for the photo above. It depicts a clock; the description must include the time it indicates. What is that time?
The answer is 12:36
